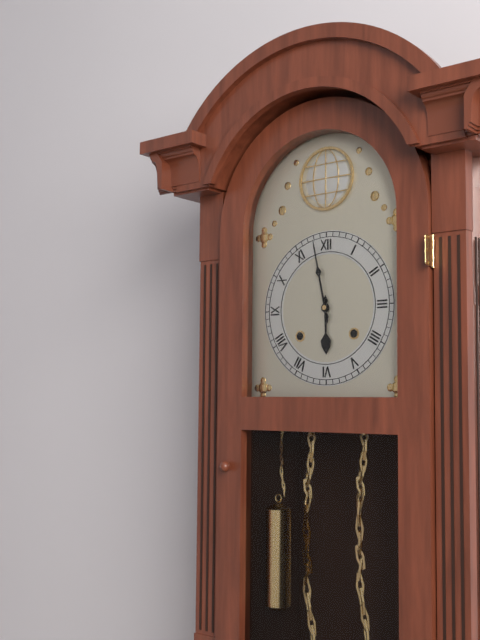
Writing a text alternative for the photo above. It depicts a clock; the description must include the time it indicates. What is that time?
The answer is 5:58
